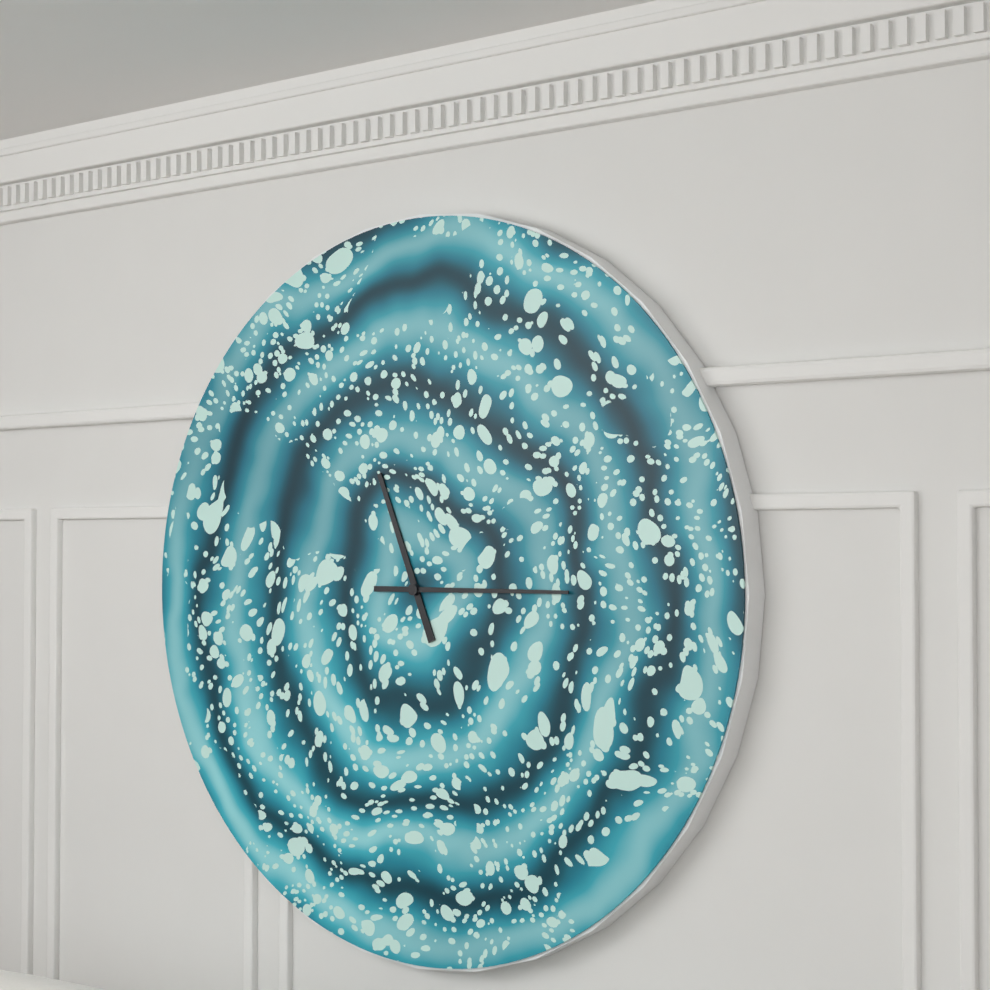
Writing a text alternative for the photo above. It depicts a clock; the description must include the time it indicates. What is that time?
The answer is 11:15
